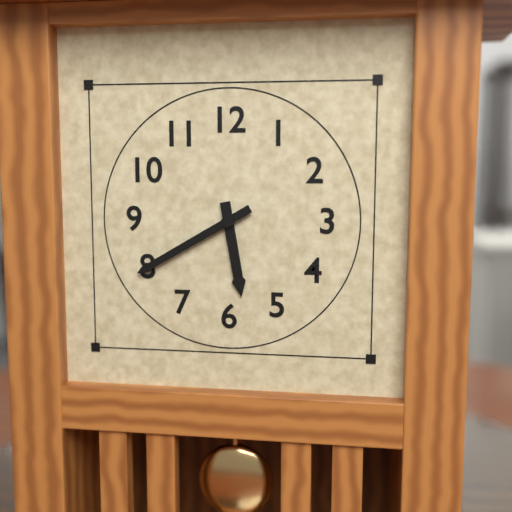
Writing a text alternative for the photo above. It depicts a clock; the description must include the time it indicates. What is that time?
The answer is 5:40
